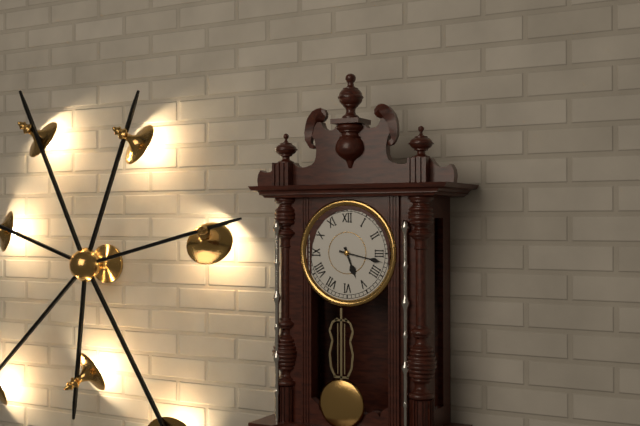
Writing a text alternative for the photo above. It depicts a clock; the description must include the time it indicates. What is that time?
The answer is 5:17
